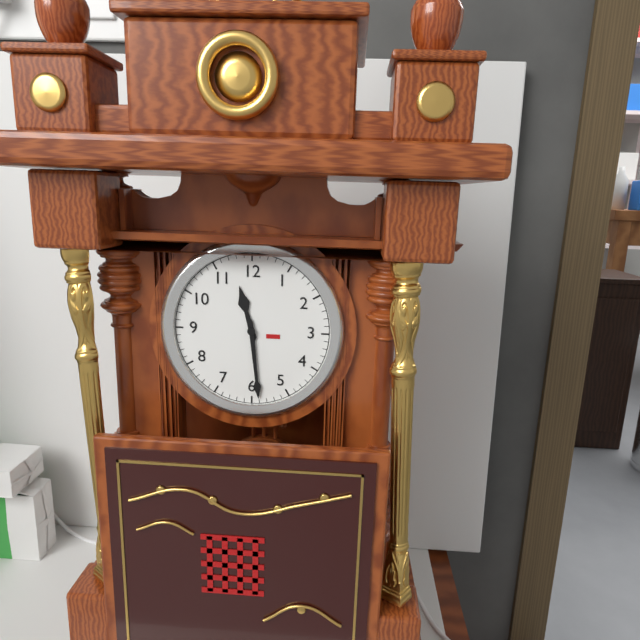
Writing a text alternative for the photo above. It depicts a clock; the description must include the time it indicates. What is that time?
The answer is 11:29
